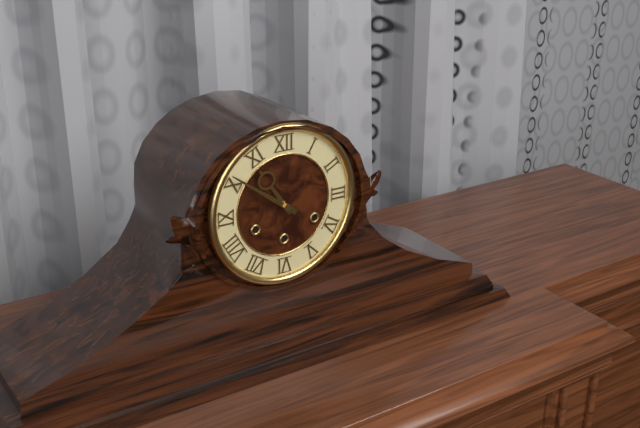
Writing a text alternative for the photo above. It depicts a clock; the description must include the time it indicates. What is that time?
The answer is 10:51
